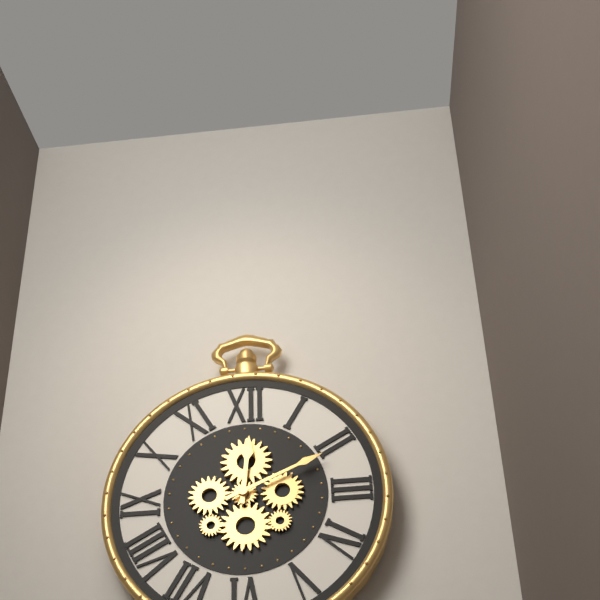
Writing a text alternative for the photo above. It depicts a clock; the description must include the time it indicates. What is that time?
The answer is 12:11
